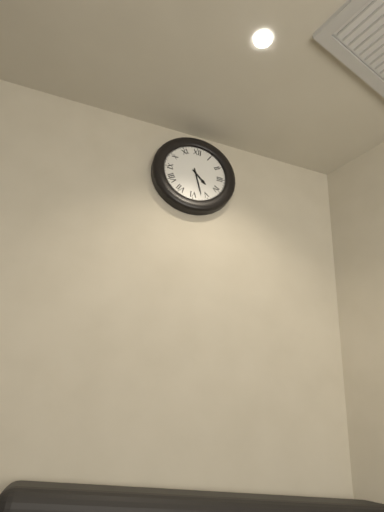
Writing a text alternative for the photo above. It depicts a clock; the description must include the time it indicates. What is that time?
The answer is 4:27
